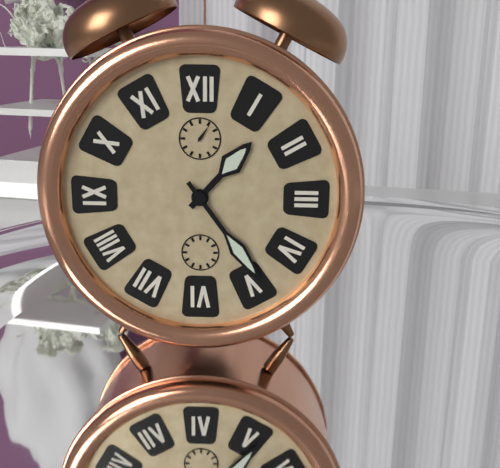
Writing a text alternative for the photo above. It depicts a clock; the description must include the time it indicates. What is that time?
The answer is 1:24
